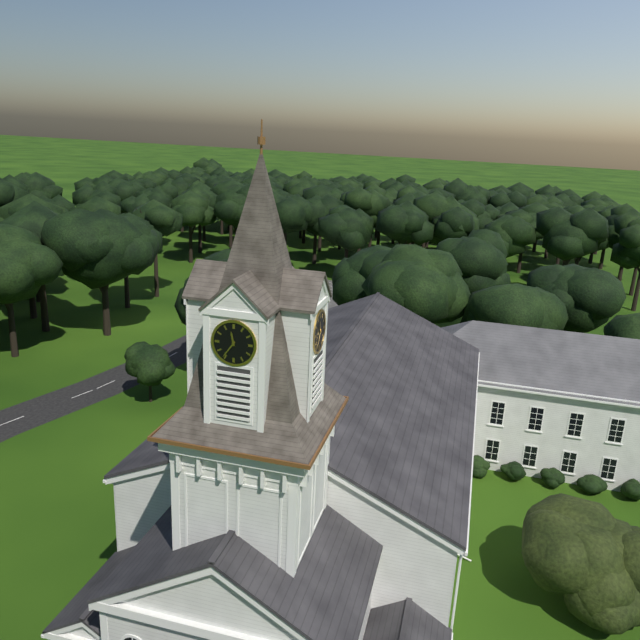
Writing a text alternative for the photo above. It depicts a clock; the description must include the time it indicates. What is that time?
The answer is 11:36
